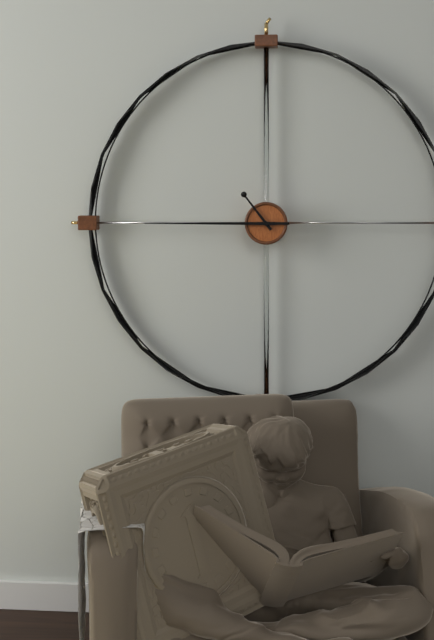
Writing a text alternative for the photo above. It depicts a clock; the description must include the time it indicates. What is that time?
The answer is 10:45
